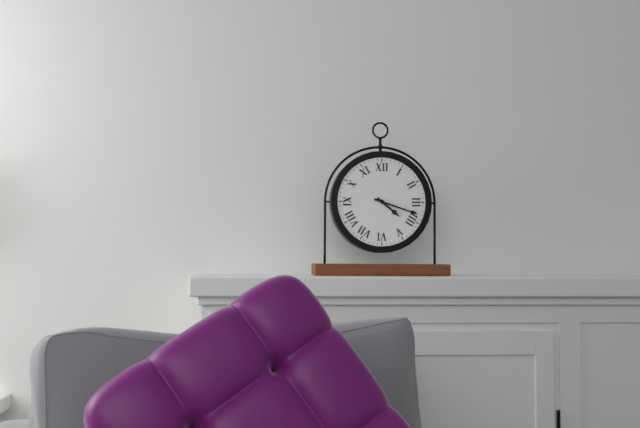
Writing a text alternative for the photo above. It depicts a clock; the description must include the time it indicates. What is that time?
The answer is 4:18
